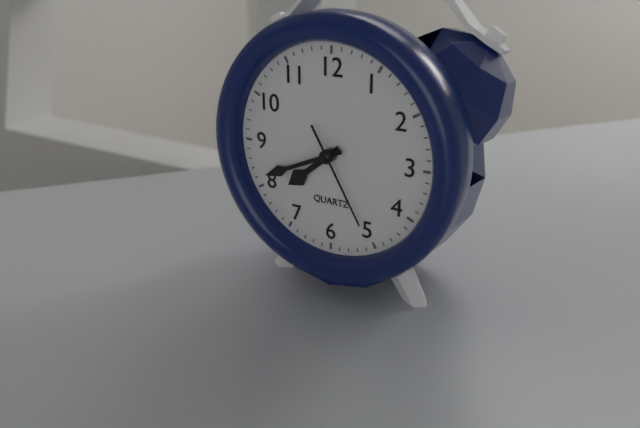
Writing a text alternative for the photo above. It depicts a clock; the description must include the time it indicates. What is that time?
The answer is 7:41:25
